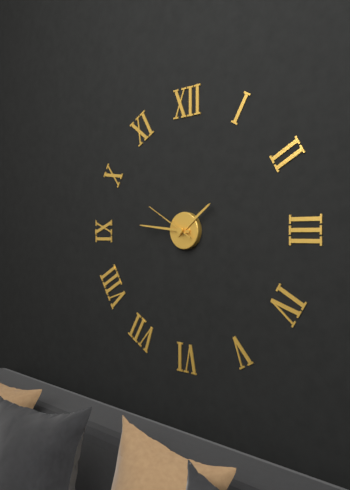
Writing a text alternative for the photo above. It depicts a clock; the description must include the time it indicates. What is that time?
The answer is 1:46:50
